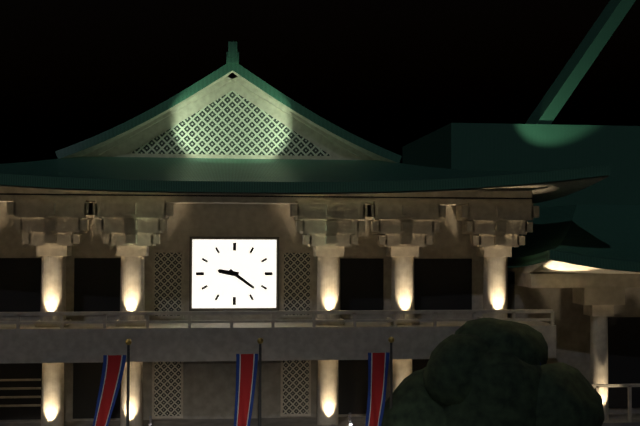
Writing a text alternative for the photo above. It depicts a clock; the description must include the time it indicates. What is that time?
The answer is 9:21
